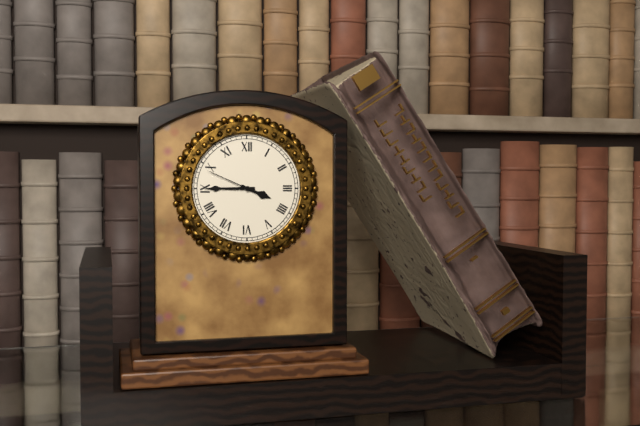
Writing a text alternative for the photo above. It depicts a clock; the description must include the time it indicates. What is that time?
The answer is 3:45:49
